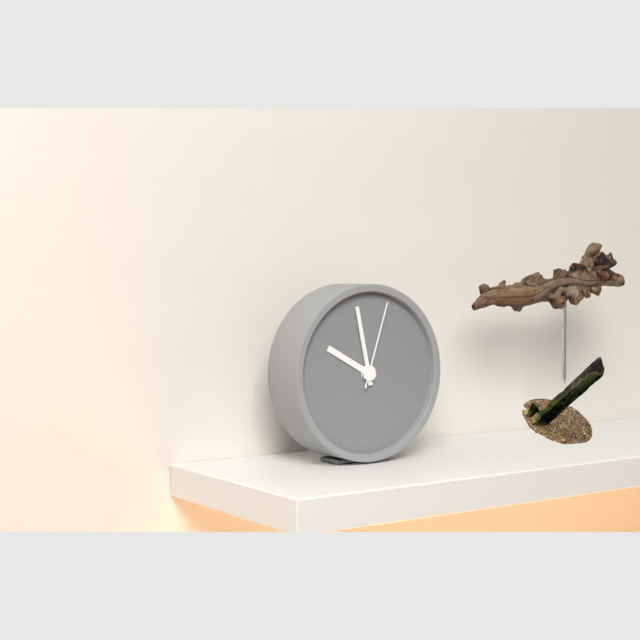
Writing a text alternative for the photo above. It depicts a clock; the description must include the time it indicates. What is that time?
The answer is 9:58:03
